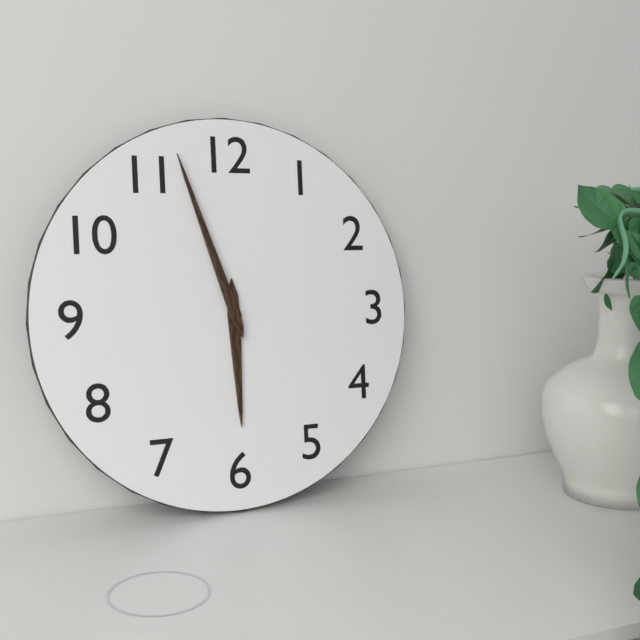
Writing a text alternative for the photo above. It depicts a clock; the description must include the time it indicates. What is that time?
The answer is 5:57
